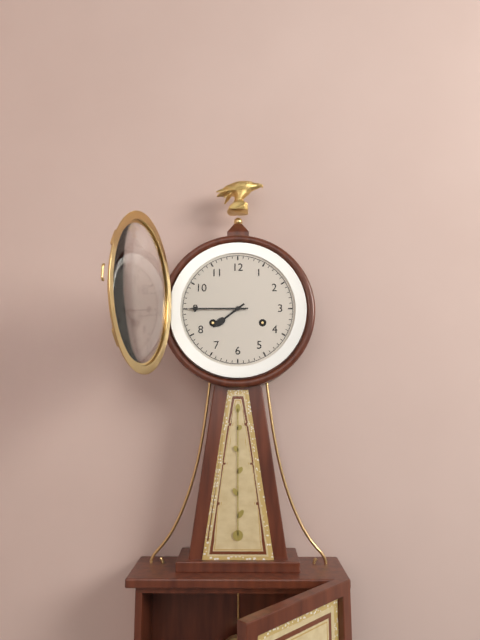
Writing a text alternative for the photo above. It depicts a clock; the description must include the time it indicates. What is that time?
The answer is 7:45
